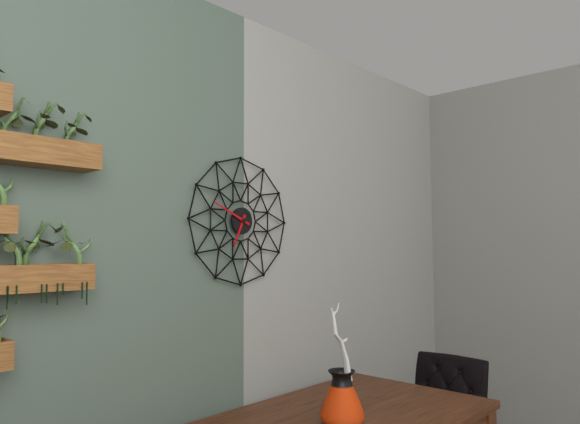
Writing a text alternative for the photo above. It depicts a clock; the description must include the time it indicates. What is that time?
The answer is 6:49
